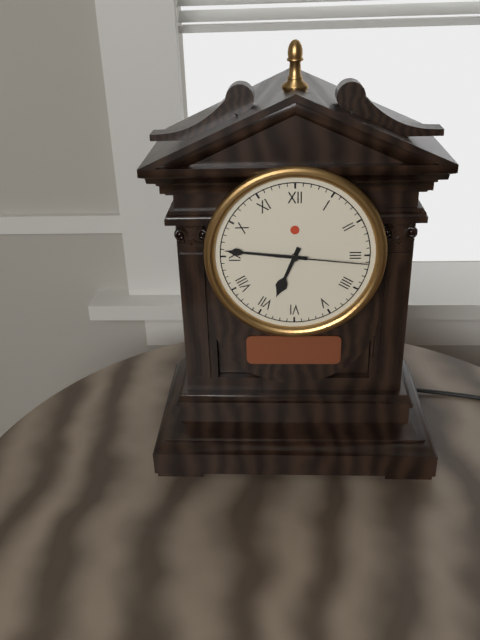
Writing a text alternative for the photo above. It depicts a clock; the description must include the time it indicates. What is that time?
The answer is 6:46:16
